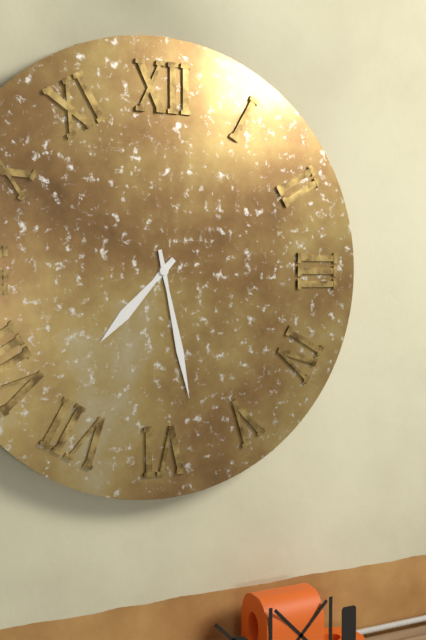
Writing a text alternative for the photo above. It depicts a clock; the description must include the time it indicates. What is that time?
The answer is 7:28
